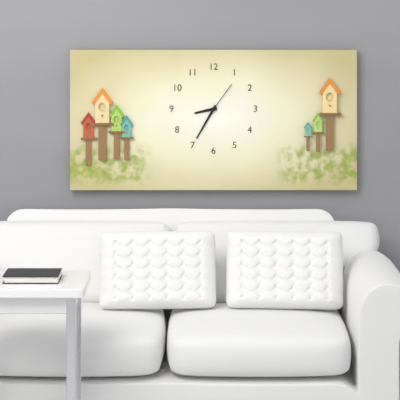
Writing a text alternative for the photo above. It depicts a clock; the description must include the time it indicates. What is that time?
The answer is 8:35
